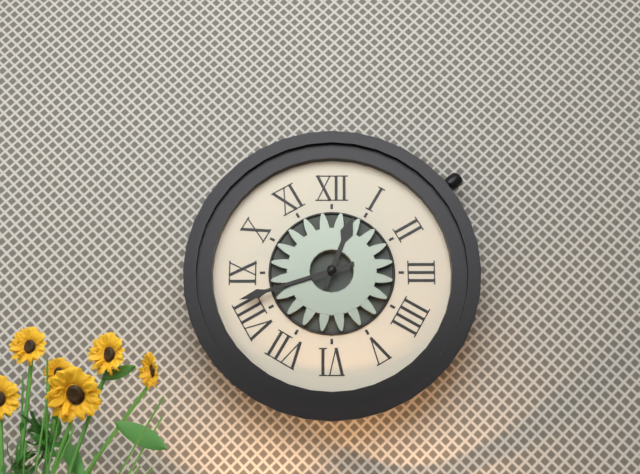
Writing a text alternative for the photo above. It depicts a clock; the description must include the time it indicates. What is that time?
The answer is 12:42
